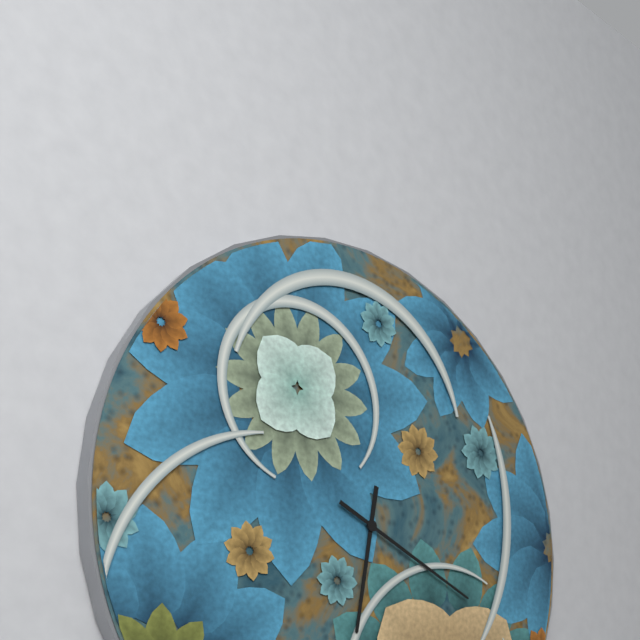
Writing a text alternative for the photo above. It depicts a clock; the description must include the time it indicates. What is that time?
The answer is 6:19
